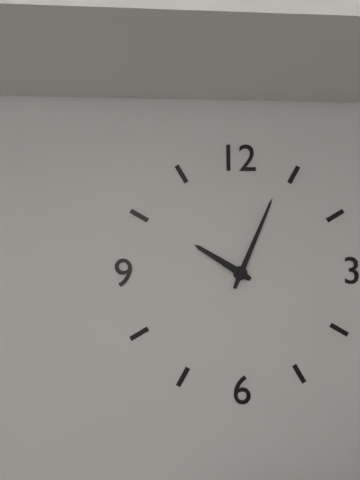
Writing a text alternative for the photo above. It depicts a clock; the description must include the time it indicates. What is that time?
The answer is 10:04
